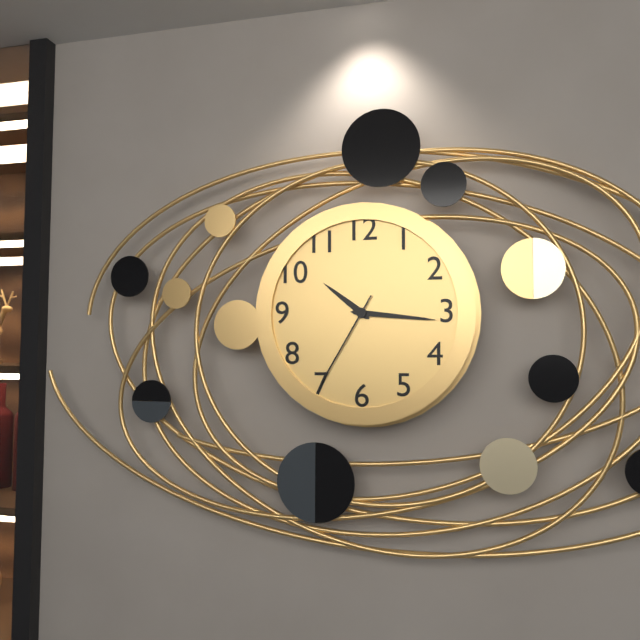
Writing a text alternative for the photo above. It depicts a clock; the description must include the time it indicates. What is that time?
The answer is 10:16:35
